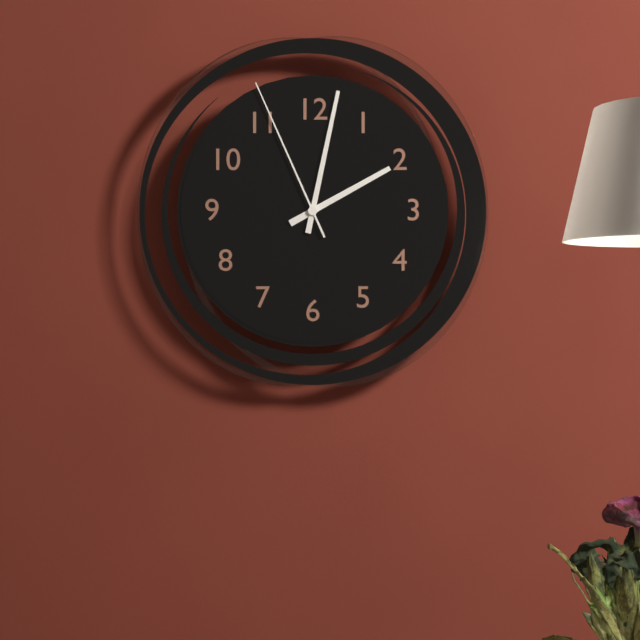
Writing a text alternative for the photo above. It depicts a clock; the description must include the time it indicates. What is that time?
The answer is 2:02:56
